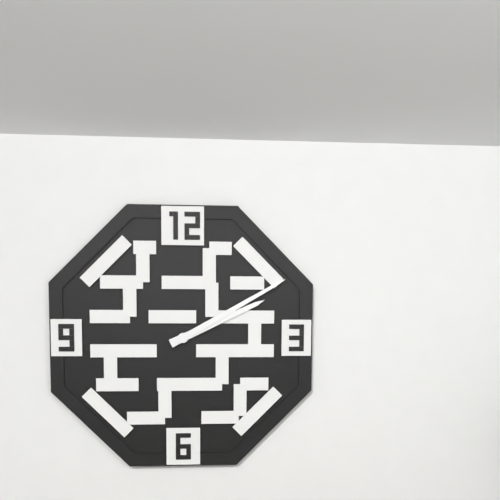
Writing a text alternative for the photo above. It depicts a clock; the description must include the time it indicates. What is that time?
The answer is 2:10
